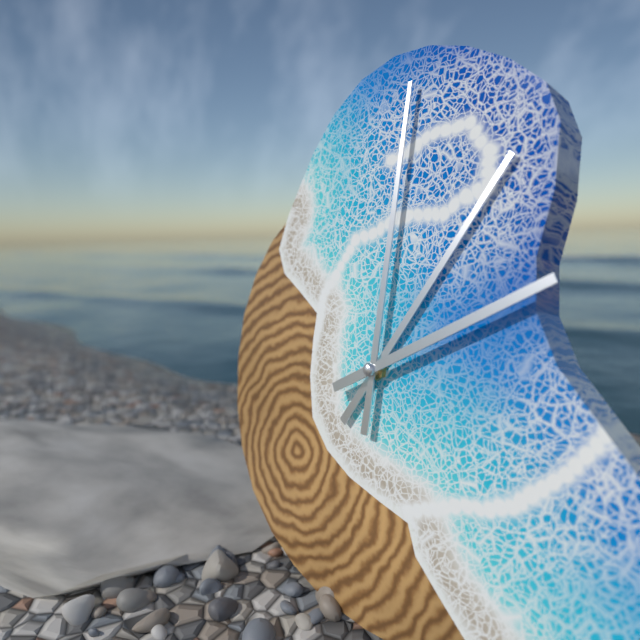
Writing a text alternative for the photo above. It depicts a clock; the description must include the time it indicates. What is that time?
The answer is 1:00:10
